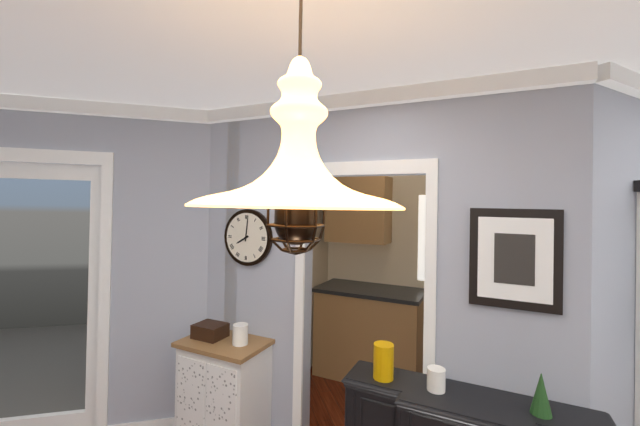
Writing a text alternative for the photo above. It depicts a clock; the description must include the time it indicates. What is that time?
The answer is 8:01
